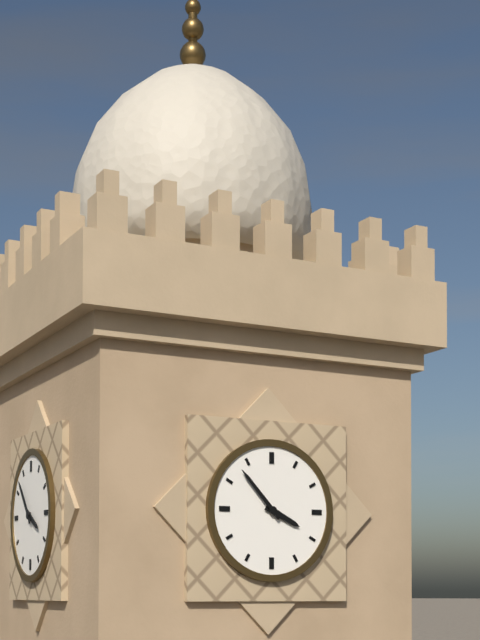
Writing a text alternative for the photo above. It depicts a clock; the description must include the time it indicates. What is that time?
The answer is 3:53
